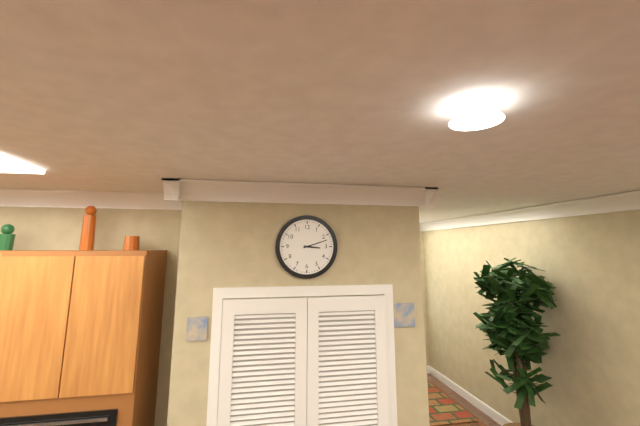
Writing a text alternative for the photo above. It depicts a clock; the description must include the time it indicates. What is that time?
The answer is 3:12
